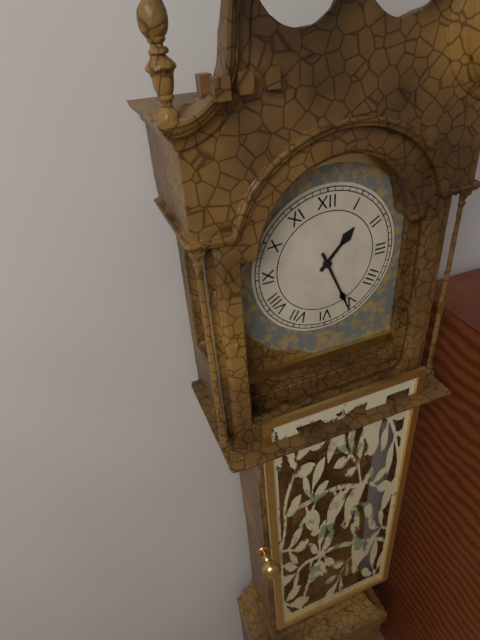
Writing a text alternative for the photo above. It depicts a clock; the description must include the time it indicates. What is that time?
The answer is 1:26
